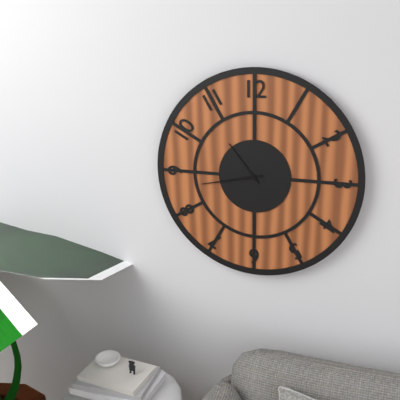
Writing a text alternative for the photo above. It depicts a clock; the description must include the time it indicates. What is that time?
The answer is 10:43
